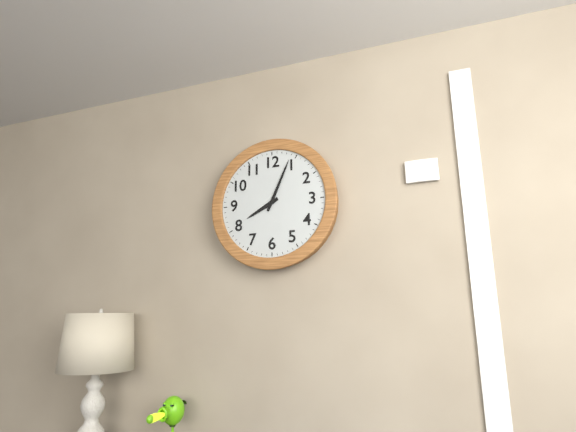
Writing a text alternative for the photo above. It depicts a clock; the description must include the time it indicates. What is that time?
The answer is 8:04
